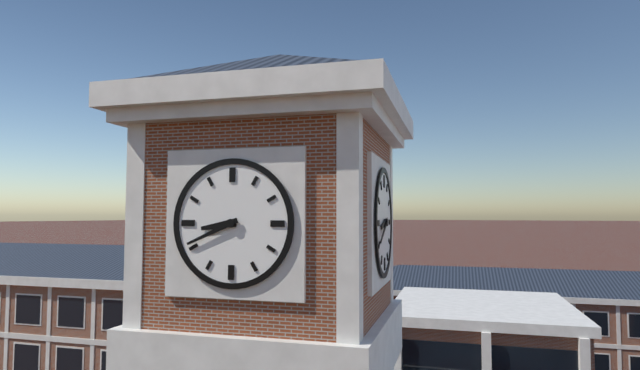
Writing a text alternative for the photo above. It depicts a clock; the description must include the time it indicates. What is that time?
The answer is 8:41
